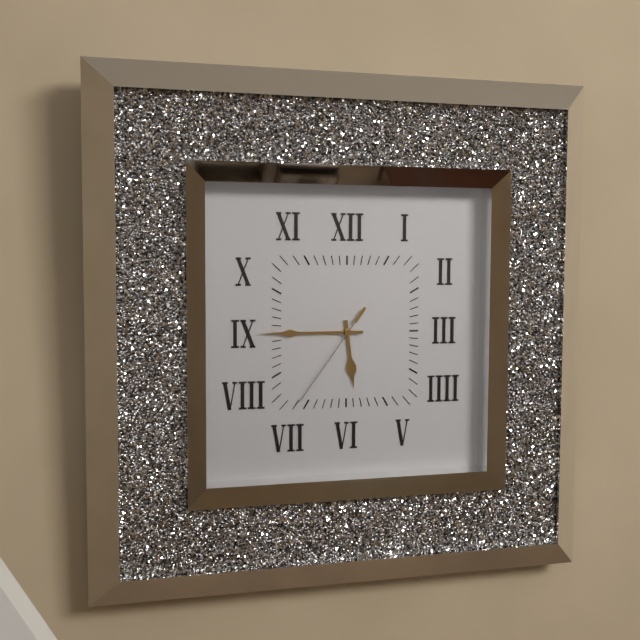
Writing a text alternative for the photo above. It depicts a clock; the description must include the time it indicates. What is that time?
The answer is 5:45:36
